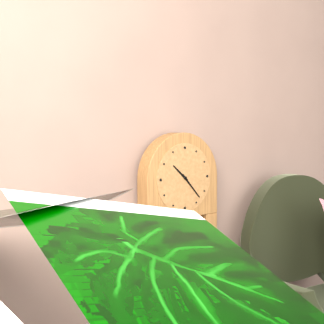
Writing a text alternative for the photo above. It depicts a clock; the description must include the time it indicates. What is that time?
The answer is 10:23
